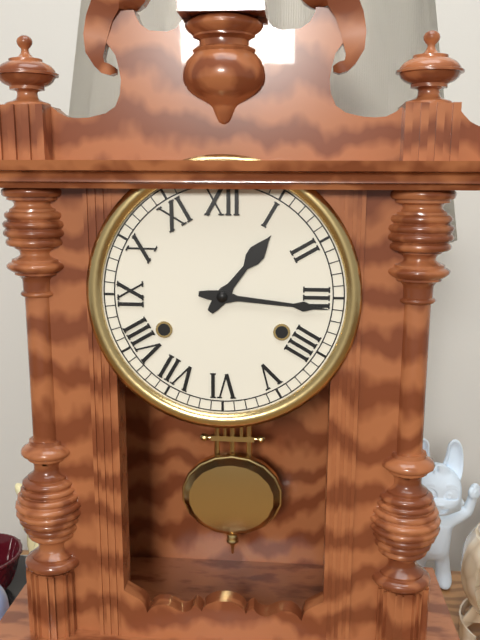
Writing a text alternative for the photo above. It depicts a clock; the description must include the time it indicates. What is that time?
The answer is 1:16
